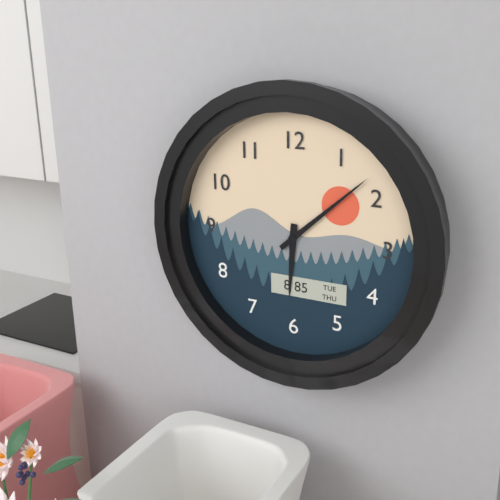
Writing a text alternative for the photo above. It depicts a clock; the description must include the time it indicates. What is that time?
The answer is 6:08
